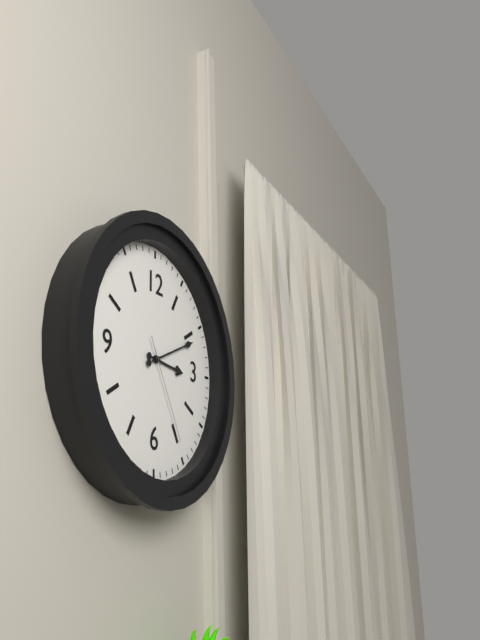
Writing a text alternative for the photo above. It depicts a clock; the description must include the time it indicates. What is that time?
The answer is 3:11:25
